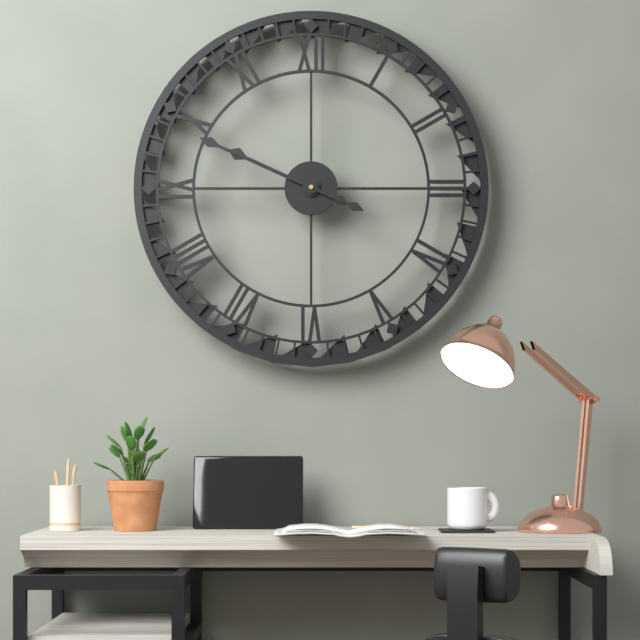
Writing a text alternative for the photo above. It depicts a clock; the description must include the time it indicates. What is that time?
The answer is 9:49
